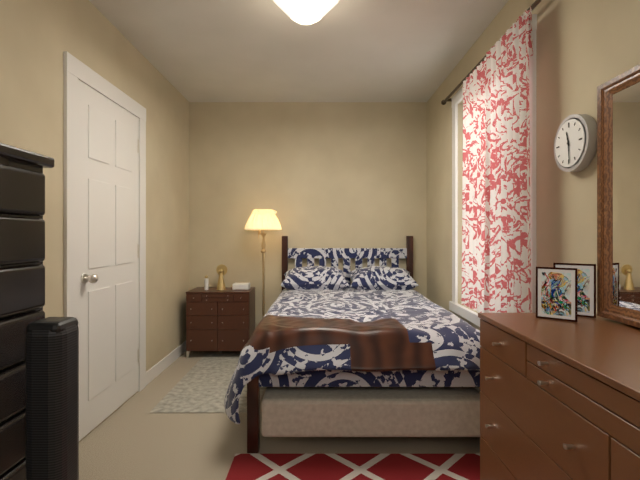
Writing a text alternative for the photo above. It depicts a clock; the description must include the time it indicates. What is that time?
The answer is 11:29
